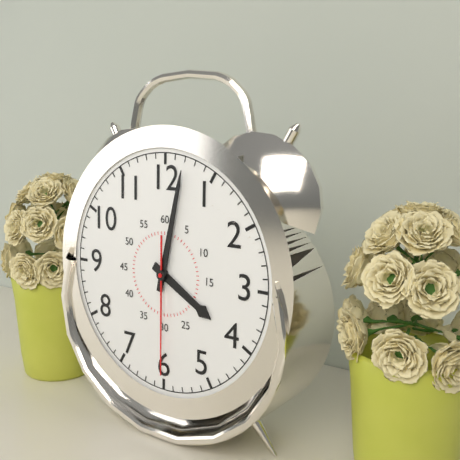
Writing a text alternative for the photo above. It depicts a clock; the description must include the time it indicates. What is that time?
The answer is 4:02:30
